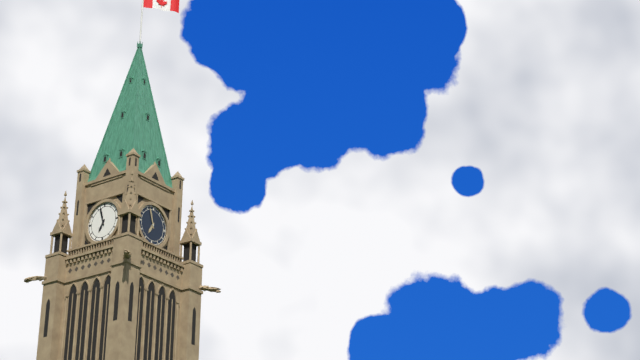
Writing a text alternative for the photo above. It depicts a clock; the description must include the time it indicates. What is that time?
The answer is 6:57
